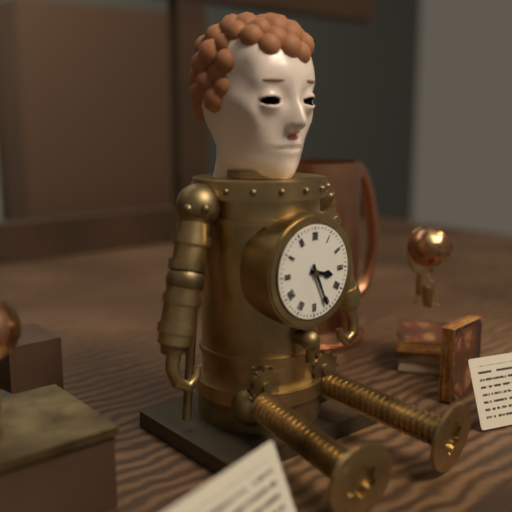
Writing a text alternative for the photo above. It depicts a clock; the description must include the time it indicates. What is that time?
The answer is 3:26
